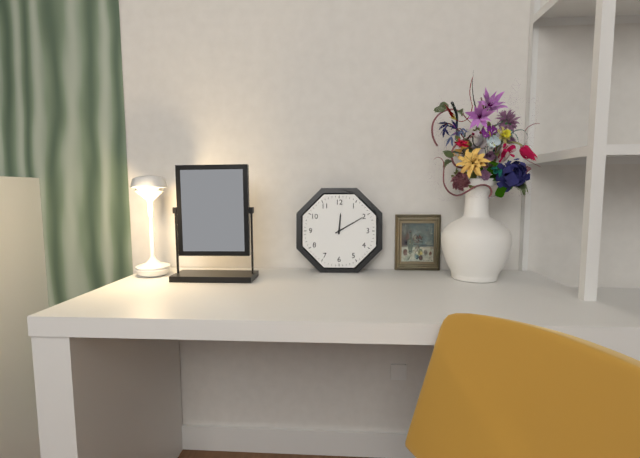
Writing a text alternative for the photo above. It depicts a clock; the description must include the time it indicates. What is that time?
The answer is 12:10
